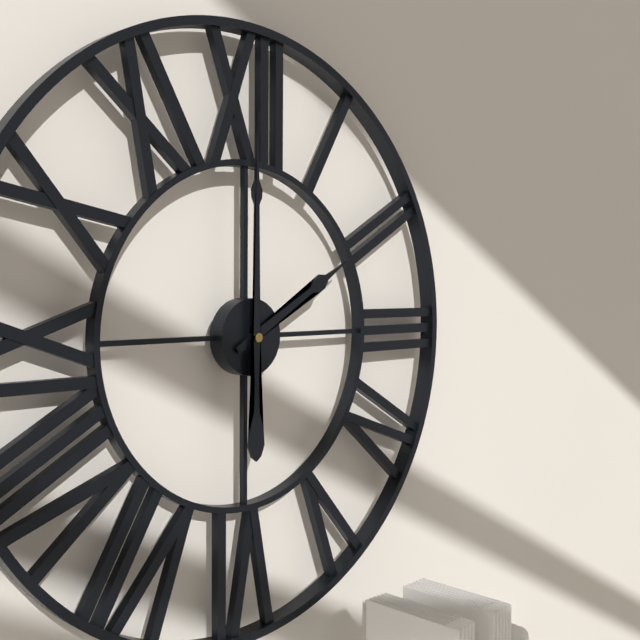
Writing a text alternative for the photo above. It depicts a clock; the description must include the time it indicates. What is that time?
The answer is 2:00
